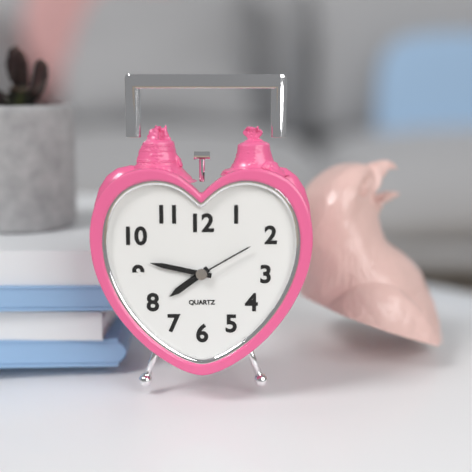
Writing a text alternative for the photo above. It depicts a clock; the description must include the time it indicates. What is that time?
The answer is 7:47:10
